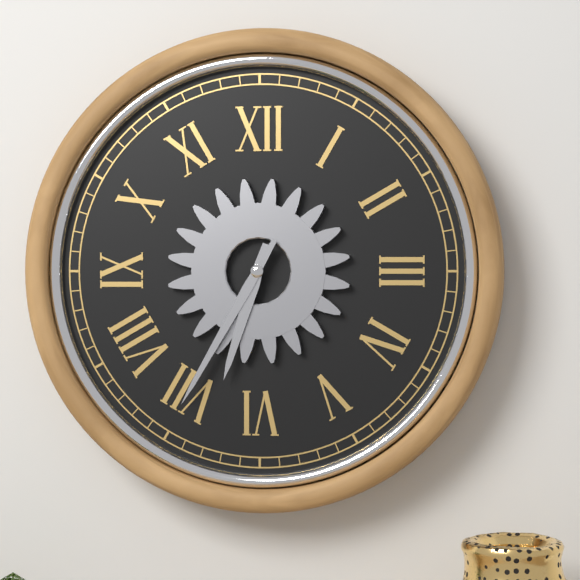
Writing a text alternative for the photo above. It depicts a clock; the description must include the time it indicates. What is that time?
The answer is 6:35
